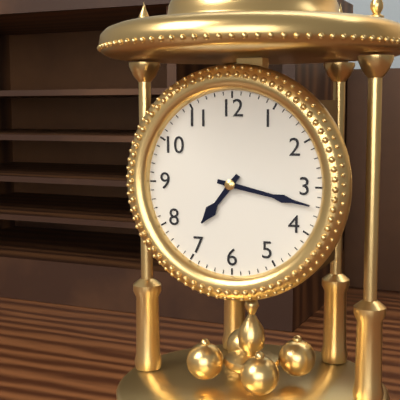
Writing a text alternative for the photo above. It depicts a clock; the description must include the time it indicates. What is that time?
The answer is 7:17
